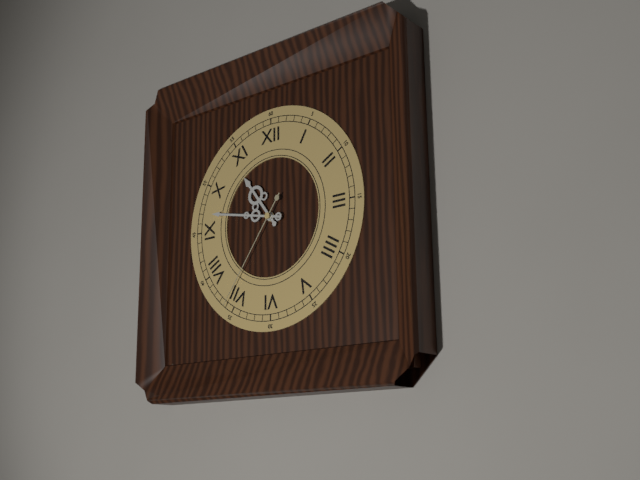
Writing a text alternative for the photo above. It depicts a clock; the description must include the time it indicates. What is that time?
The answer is 10:47:36
